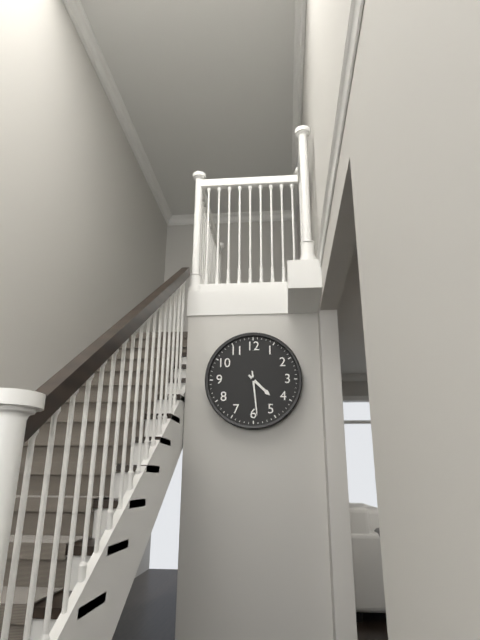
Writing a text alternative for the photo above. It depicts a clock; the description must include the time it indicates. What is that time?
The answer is 4:29
